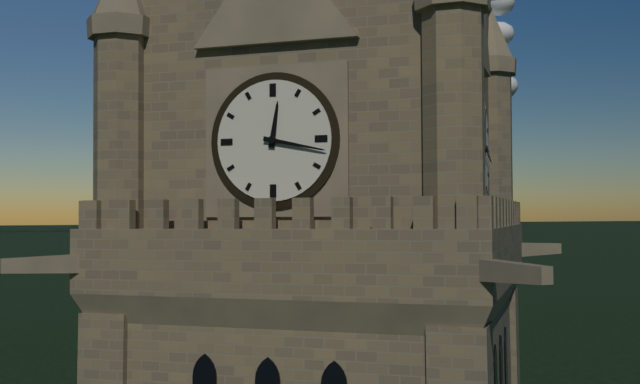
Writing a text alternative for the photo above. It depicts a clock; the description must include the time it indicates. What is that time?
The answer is 12:17
